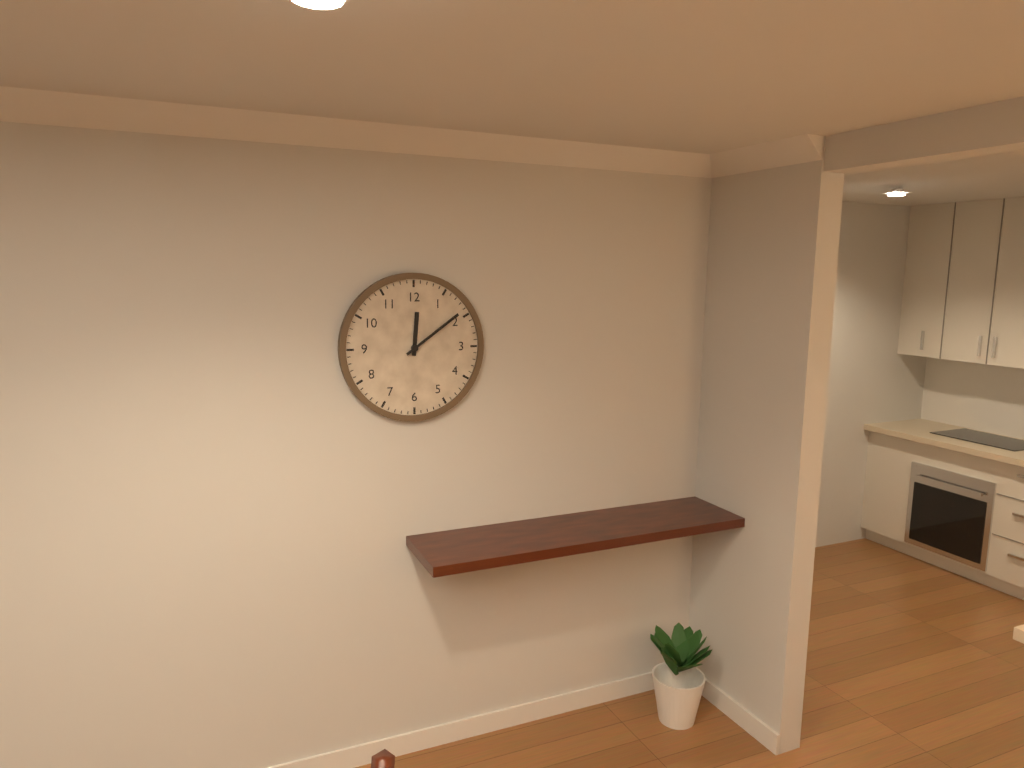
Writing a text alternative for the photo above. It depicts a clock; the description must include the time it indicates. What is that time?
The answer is 12:09
